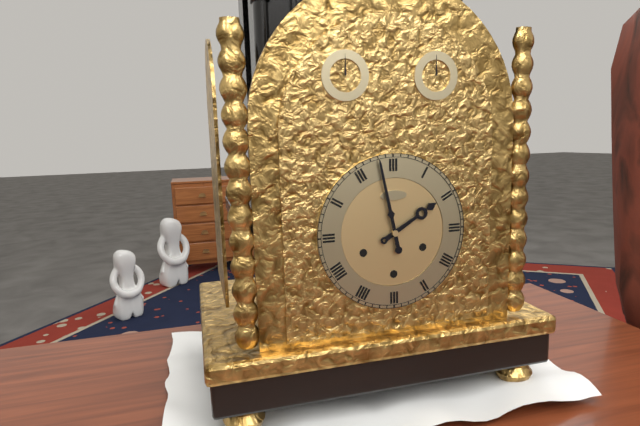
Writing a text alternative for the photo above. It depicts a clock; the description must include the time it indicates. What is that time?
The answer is 1:58
